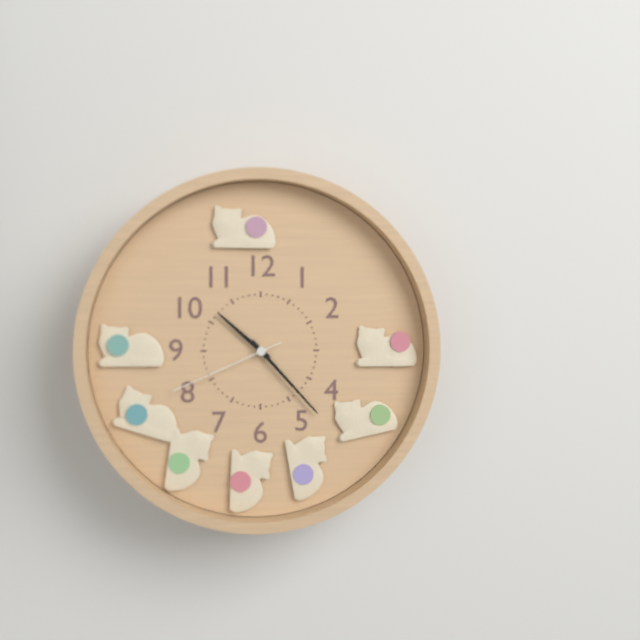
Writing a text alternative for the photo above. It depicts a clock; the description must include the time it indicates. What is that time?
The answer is 10:23:41
